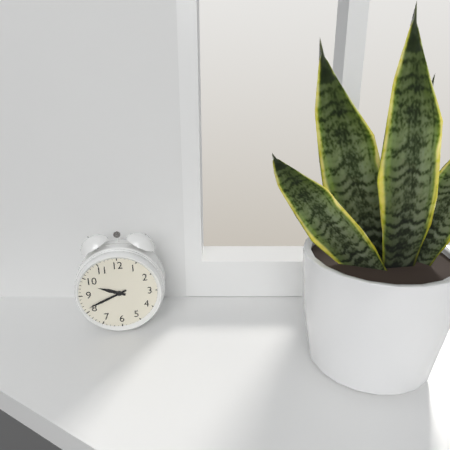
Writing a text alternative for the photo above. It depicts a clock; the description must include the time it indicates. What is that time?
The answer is 9:41
